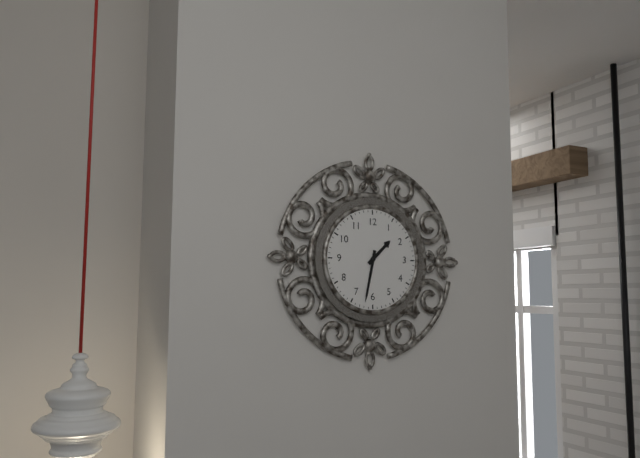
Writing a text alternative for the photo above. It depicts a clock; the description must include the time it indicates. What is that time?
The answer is 1:32
